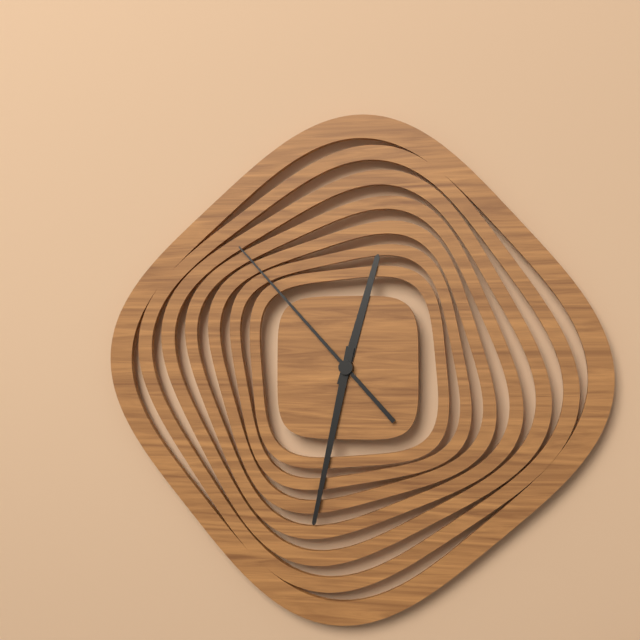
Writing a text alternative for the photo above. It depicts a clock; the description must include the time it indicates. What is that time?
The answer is 12:32:53
